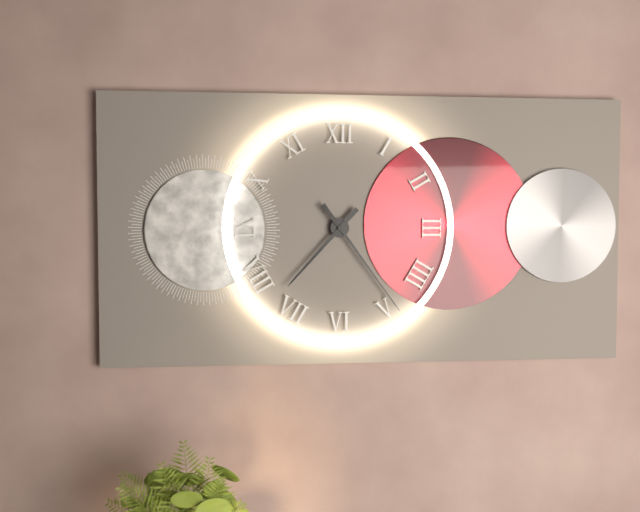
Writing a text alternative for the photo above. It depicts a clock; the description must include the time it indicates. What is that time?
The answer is 7:24
